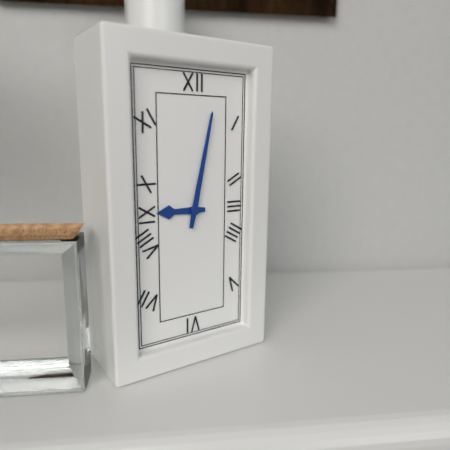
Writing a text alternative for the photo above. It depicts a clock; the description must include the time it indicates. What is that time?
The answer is 9:02
